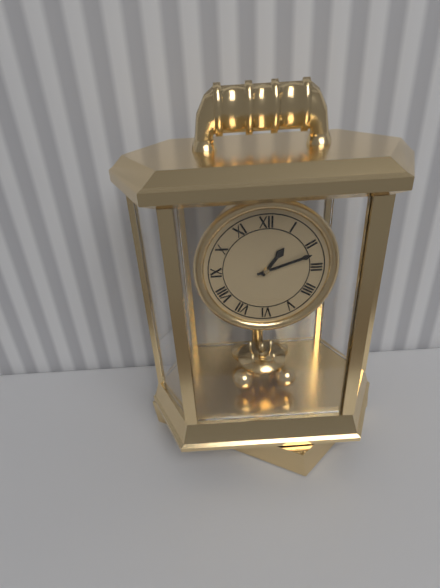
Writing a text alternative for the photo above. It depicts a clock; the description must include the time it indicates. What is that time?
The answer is 1:12
